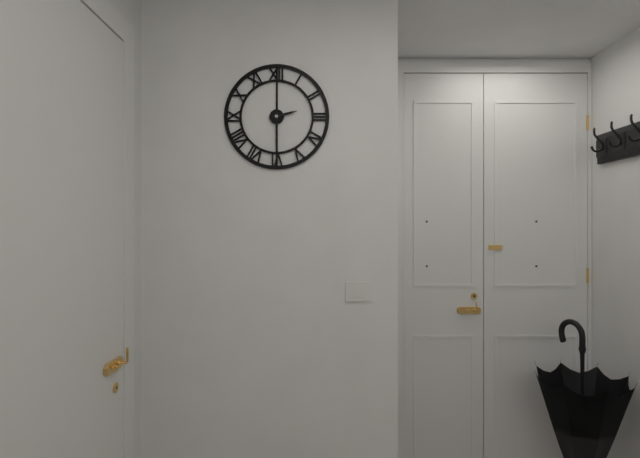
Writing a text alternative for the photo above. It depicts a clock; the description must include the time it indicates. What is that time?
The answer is 2:30
